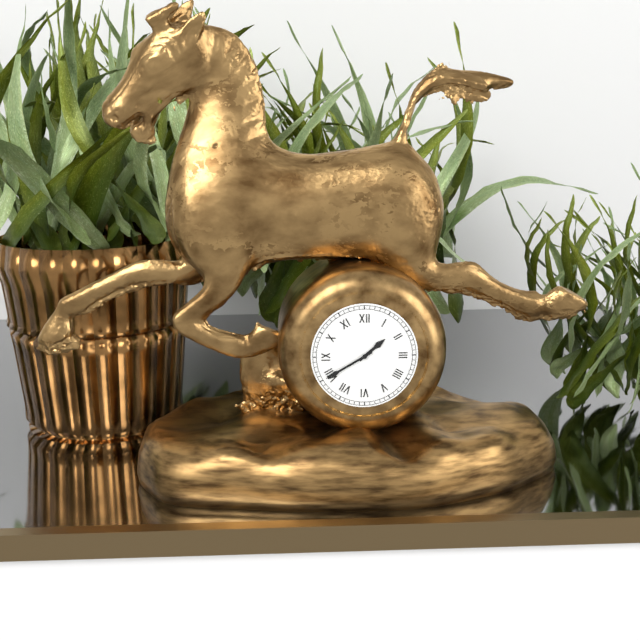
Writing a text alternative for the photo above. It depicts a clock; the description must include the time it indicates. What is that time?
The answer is 1:40
